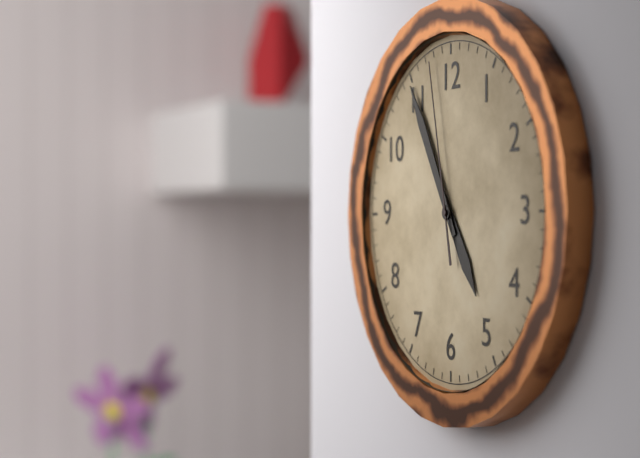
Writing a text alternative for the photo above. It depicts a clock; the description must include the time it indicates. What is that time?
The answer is 4:55:58
